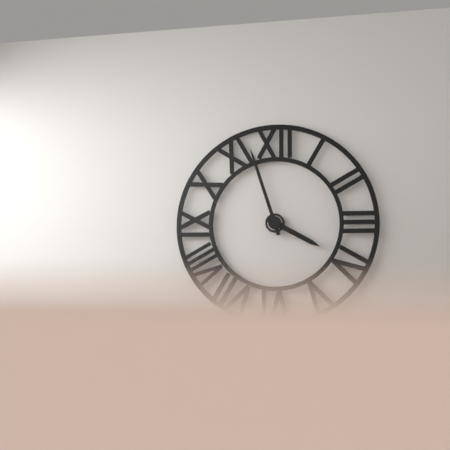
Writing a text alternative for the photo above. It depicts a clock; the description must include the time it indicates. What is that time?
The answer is 3:57
